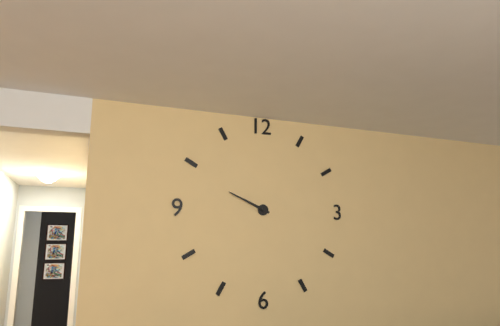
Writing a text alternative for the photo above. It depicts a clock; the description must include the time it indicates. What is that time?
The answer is 9:49
